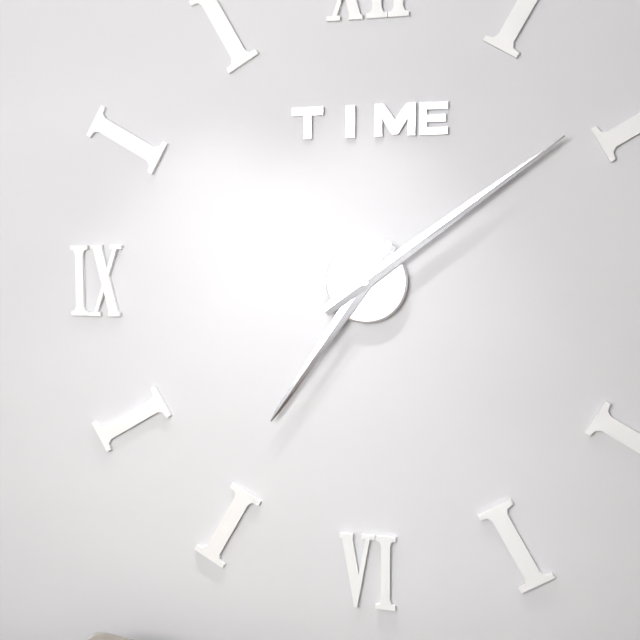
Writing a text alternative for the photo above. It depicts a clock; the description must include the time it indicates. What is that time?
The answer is 7:09
